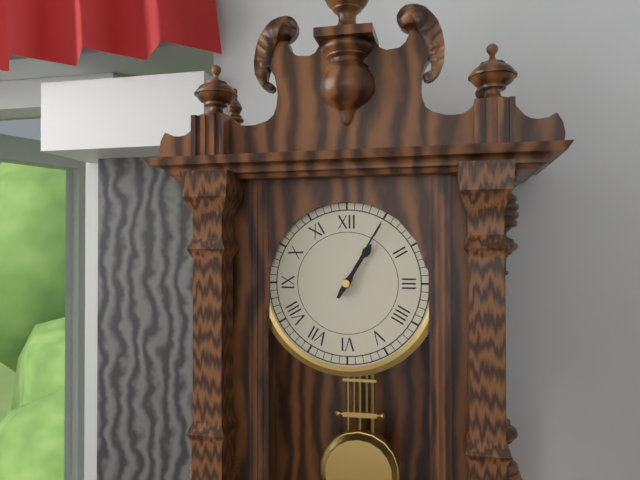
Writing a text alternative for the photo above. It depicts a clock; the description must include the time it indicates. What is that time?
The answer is 1:05
